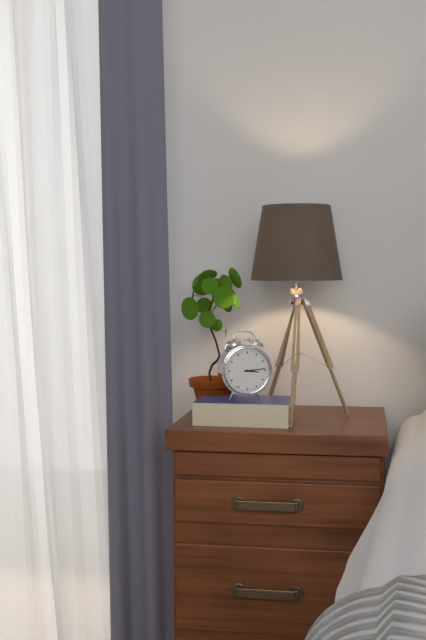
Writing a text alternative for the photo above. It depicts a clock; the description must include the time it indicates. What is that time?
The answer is 3:14
